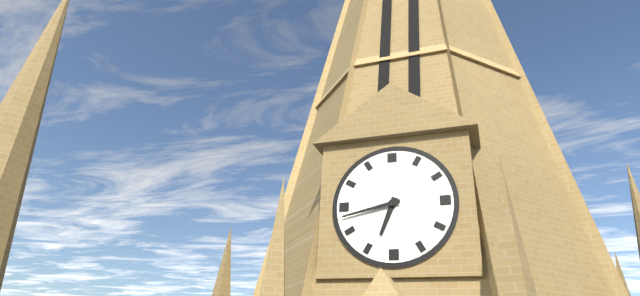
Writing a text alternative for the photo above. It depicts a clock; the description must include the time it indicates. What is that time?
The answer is 6:43
